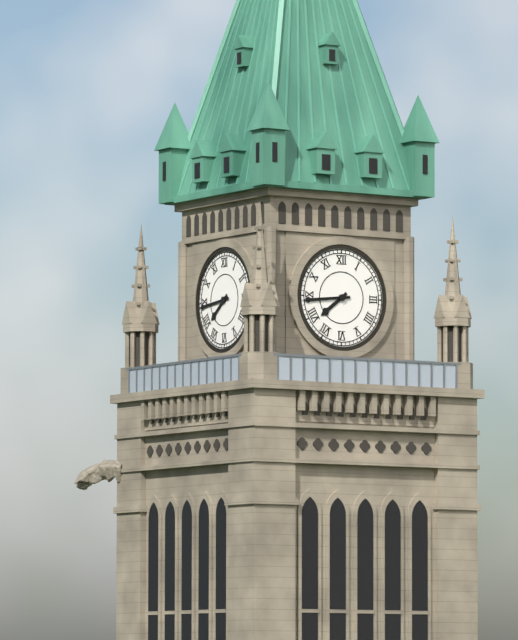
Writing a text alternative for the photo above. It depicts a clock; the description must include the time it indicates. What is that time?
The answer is 7:44
